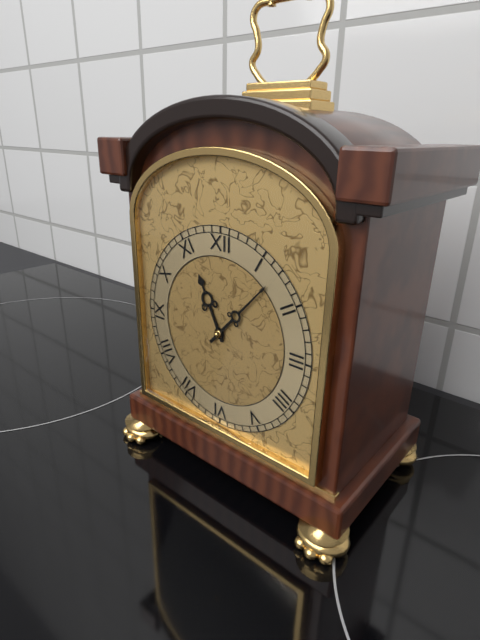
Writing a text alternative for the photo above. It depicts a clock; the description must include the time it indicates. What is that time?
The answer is 11:07
